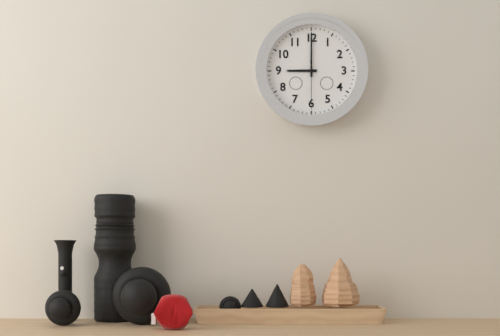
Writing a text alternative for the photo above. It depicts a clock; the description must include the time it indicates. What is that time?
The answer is 9:00:30
